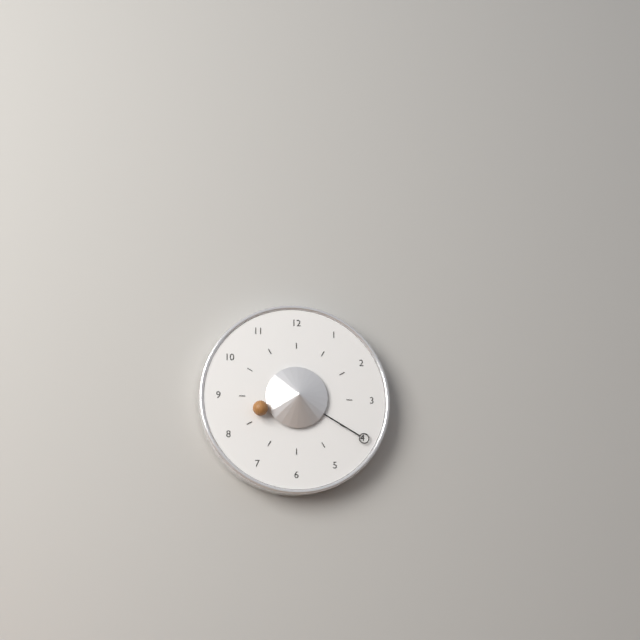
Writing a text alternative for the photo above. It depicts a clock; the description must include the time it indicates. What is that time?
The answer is 8:20
